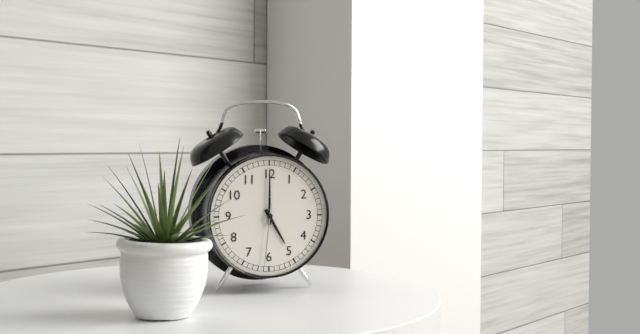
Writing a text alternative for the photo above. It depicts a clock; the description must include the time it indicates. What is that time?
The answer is 5:00:31
